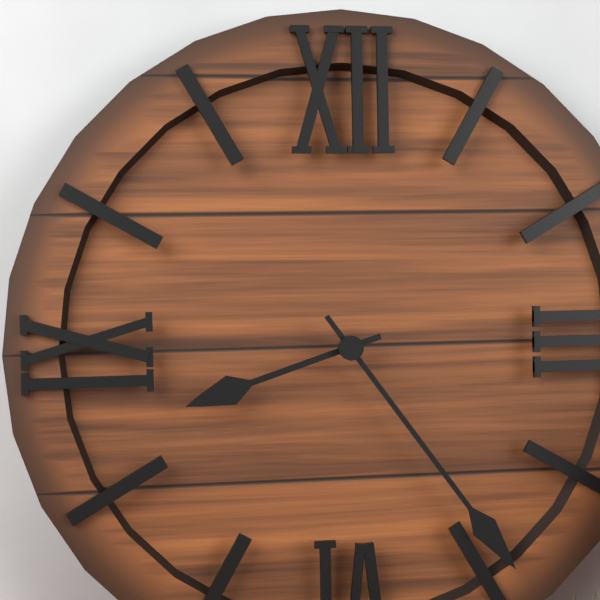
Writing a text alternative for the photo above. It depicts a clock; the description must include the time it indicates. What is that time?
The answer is 8:24
